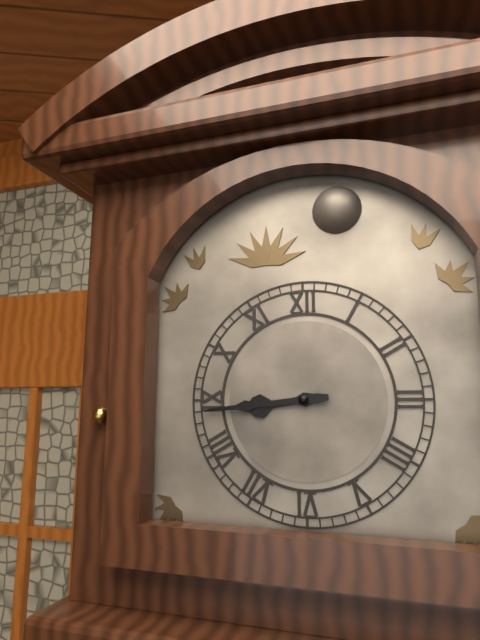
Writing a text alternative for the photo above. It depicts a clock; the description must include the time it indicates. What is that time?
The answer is 8:44
